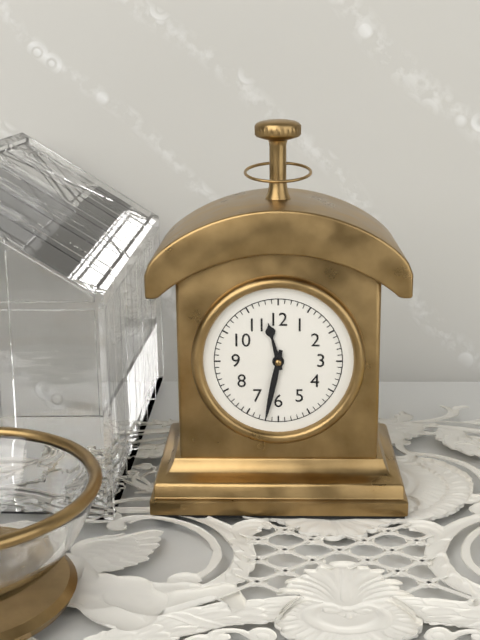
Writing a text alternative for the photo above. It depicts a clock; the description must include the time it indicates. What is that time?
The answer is 11:32
